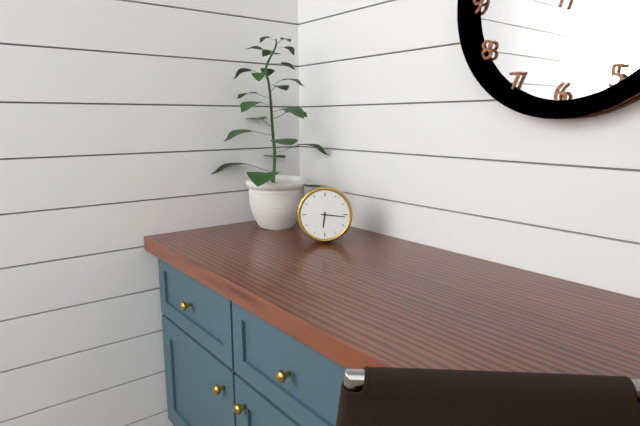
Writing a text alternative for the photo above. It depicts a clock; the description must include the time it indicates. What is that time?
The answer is 6:16
